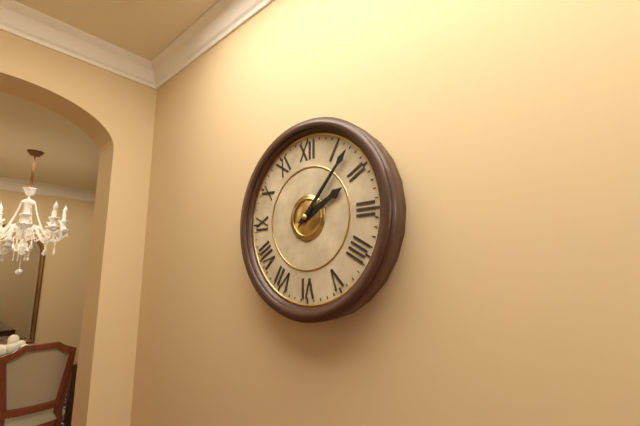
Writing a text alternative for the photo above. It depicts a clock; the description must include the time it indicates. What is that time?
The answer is 2:07
